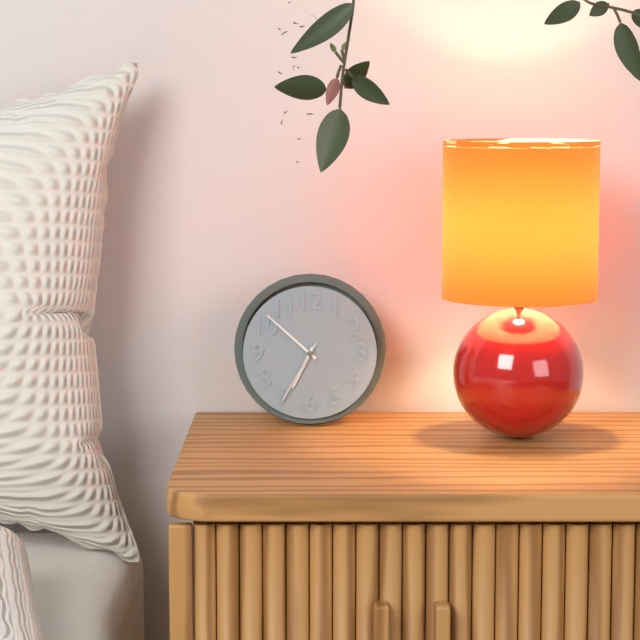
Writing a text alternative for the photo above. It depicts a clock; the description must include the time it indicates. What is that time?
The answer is 6:52:35
